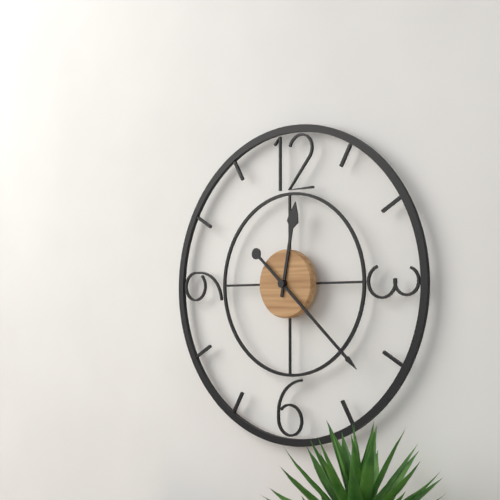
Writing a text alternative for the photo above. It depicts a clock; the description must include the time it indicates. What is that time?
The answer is 12:22
